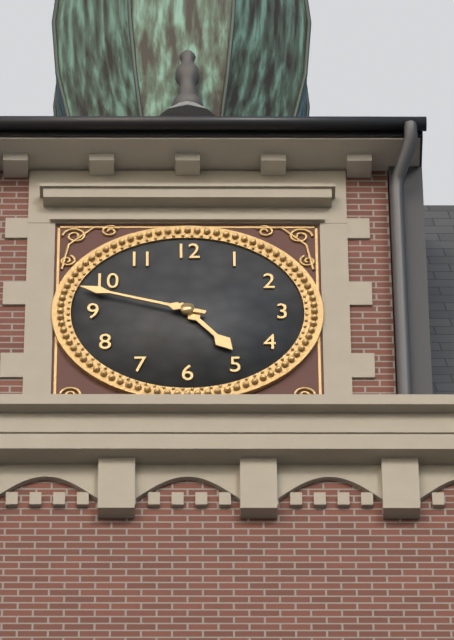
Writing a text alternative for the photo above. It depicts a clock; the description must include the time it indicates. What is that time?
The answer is 4:48
